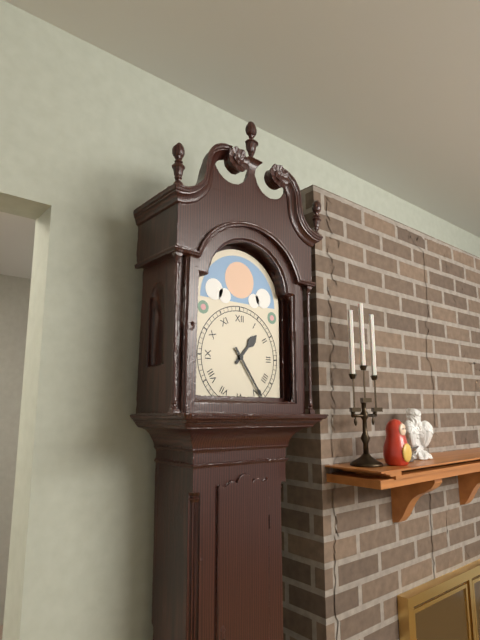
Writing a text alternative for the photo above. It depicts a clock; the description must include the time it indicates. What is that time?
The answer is 1:24
